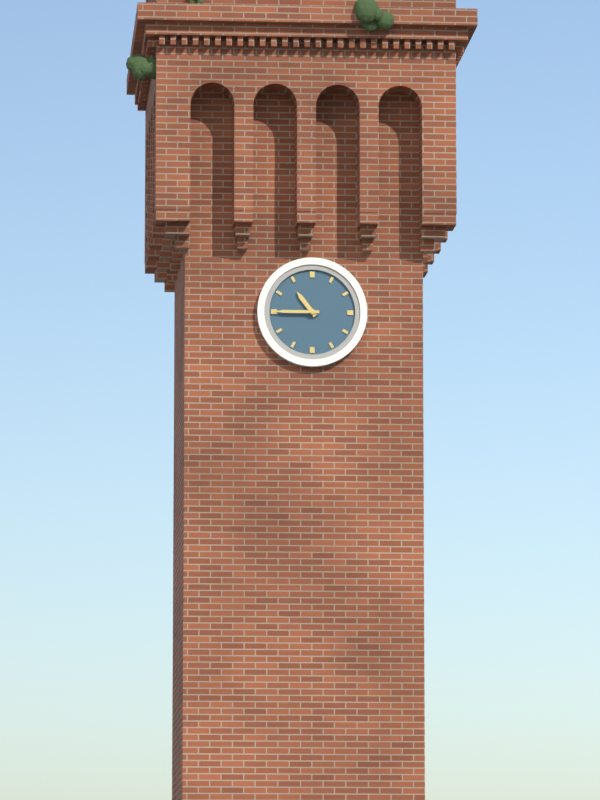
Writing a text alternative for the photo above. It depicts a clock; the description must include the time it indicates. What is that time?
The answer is 10:45
